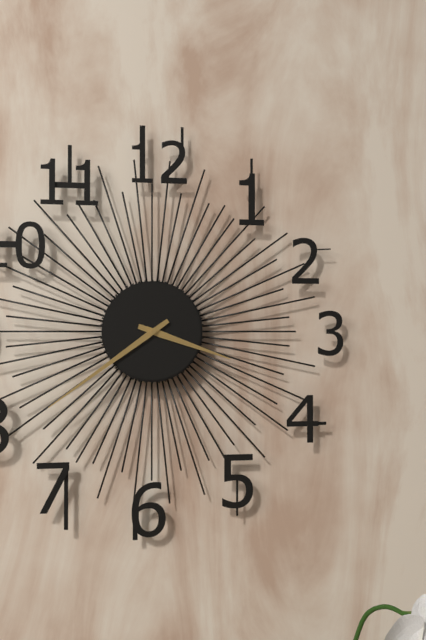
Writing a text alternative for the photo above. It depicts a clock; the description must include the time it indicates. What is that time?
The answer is 3:39
